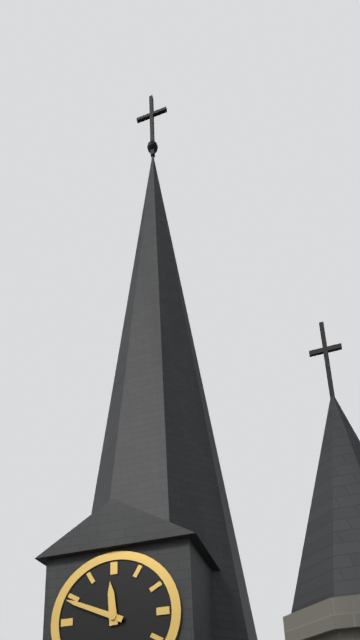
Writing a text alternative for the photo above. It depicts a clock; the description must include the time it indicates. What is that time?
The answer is 11:49
